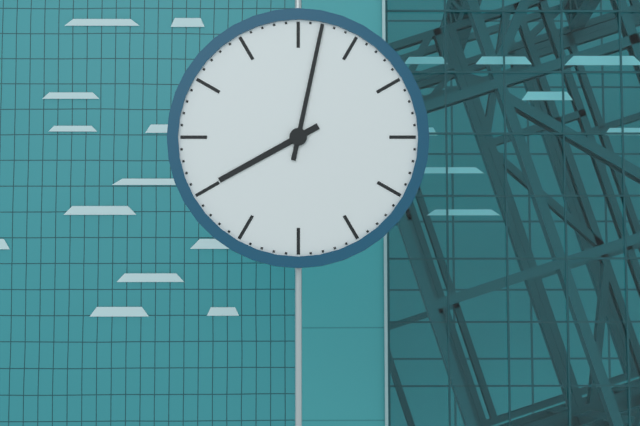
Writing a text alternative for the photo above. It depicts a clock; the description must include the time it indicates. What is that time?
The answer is 8:02
